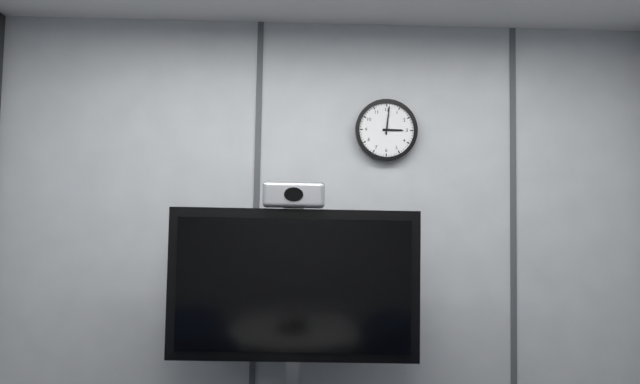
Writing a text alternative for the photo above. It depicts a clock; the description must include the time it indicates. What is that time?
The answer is 3:01
